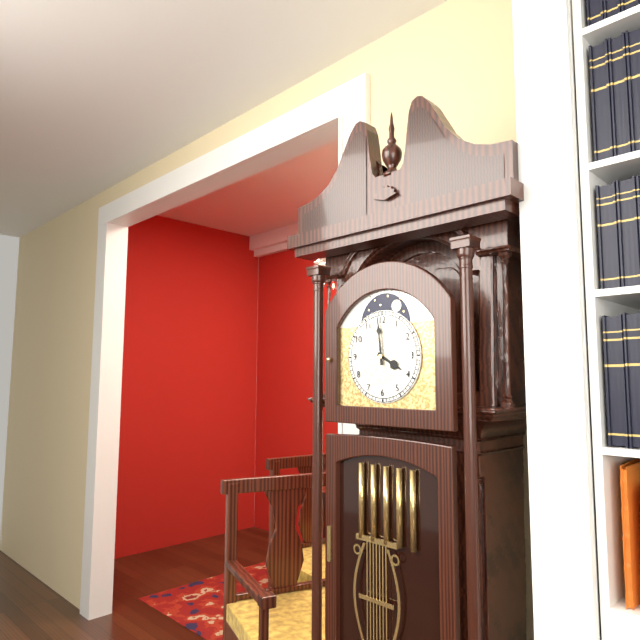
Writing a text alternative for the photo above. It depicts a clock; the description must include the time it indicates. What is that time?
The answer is 3:59
